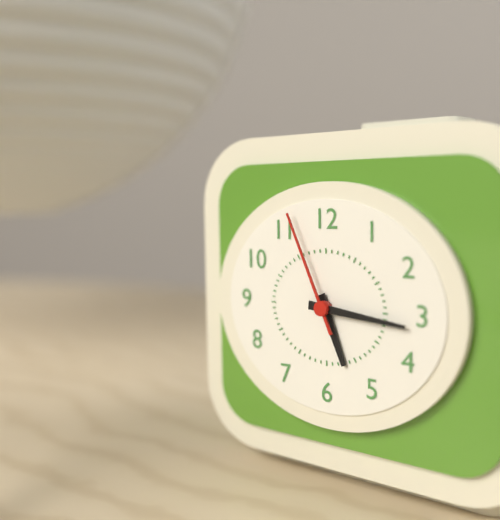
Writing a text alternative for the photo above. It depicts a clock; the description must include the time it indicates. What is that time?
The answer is 5:16:56
